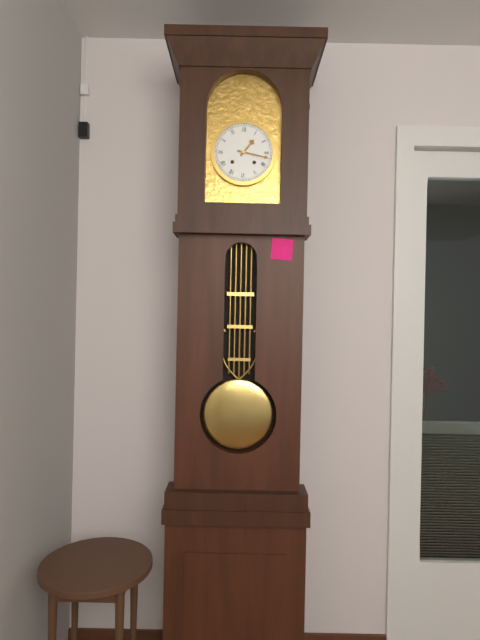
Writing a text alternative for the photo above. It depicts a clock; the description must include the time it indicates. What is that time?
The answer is 1:17
